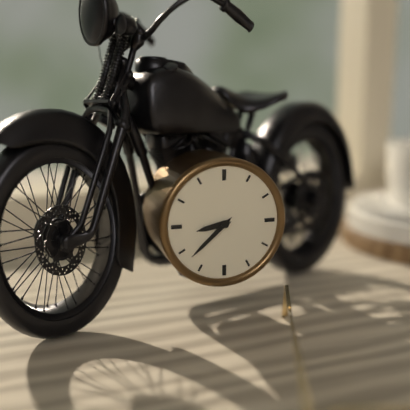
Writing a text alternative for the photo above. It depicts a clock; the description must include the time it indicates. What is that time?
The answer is 8:38
